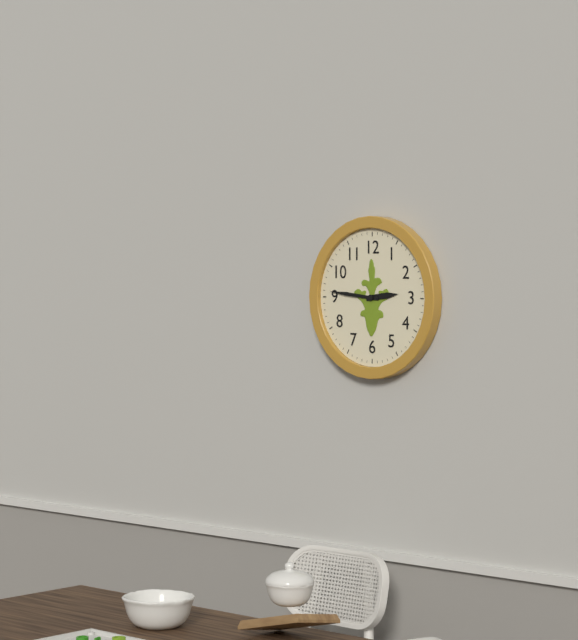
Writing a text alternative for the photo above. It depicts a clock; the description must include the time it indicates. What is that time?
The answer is 2:46
